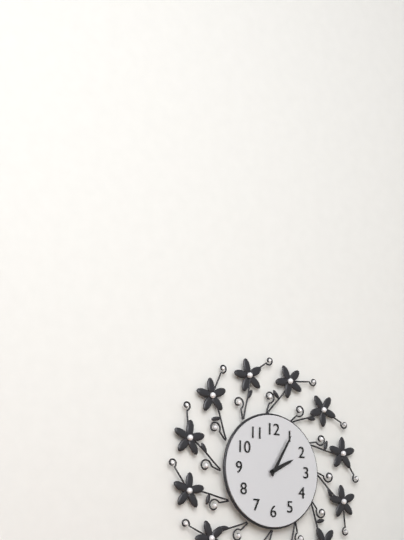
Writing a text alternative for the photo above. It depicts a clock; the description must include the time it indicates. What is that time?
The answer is 2:05
